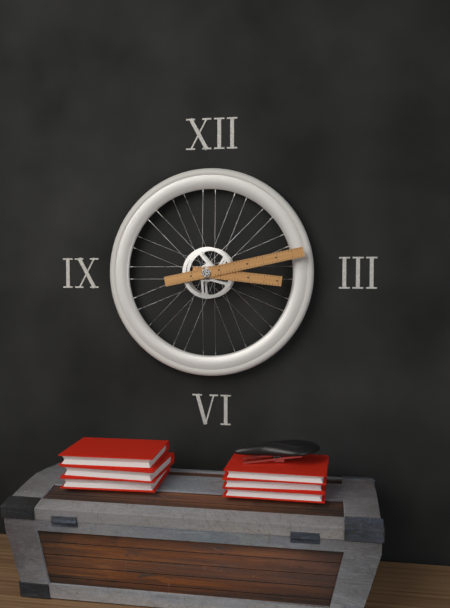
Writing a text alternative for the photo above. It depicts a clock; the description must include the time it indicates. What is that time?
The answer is 3:13
